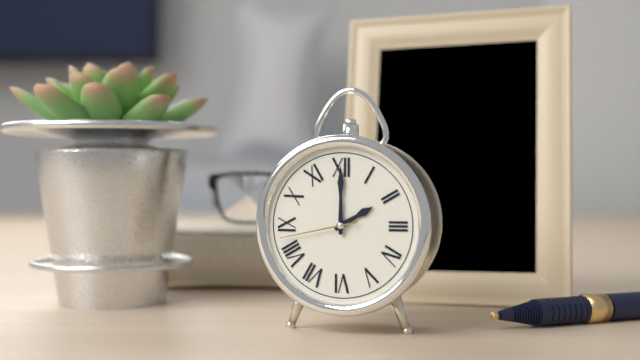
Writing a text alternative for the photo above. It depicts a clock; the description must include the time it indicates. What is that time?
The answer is 2:00:43
